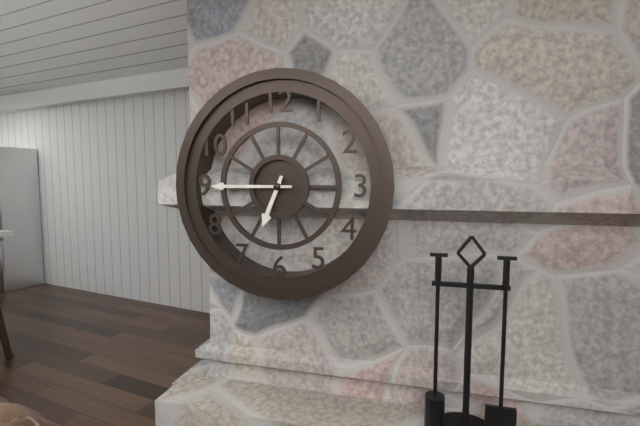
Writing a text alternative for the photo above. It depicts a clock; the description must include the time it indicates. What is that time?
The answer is 6:45
